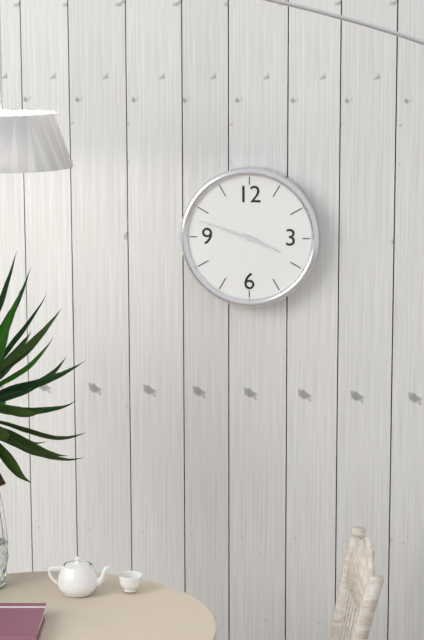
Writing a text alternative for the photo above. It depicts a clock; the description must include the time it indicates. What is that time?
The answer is 3:48
